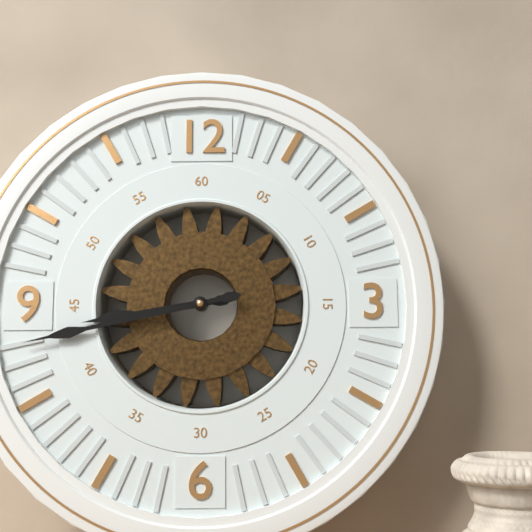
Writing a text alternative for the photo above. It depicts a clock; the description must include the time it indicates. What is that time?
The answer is 8:43
